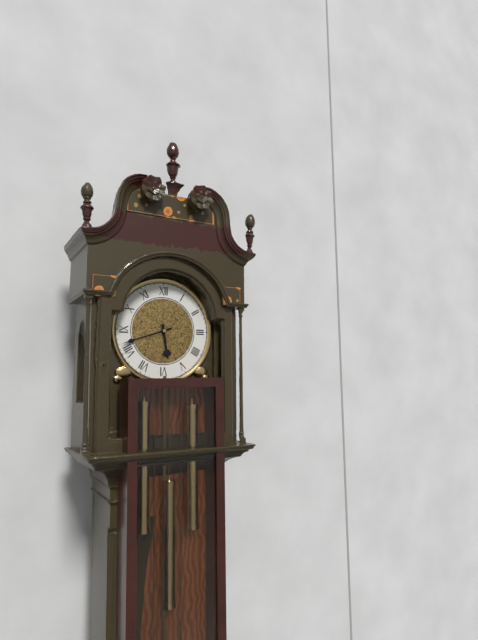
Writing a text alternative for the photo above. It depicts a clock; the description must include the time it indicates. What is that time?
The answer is 5:42
